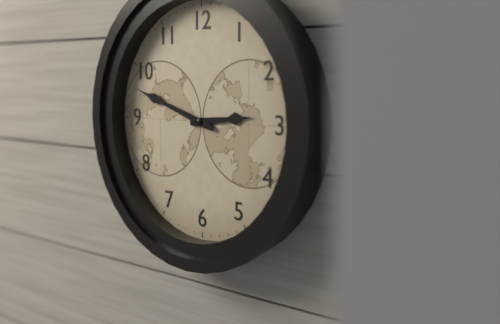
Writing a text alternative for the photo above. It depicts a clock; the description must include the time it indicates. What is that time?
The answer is 2:48
